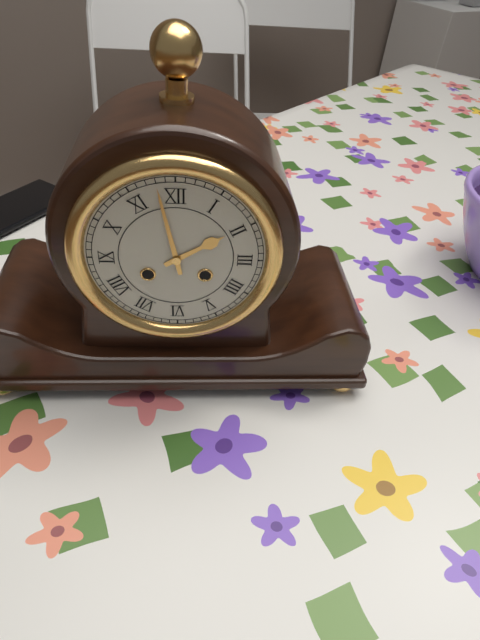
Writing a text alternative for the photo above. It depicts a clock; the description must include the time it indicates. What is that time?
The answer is 1:58
